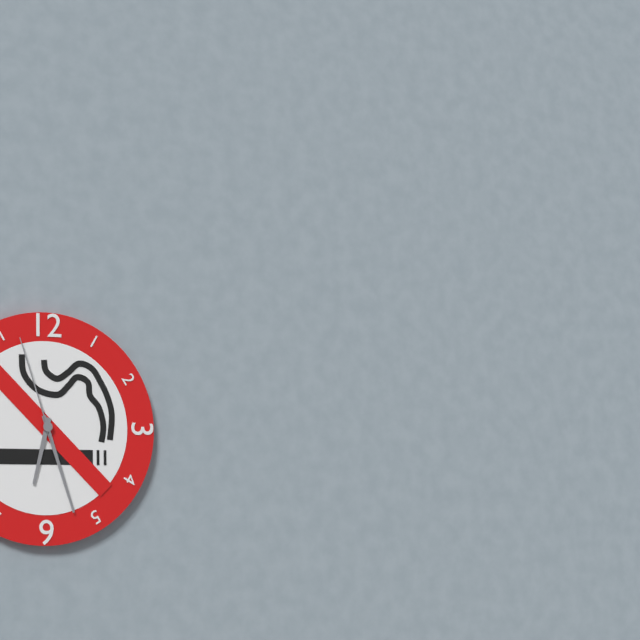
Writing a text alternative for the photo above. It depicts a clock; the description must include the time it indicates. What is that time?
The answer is 6:27:57
